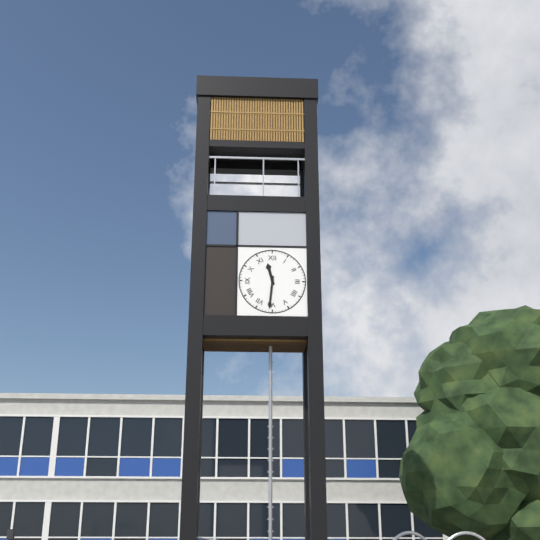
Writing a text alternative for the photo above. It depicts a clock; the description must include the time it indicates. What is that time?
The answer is 11:31
